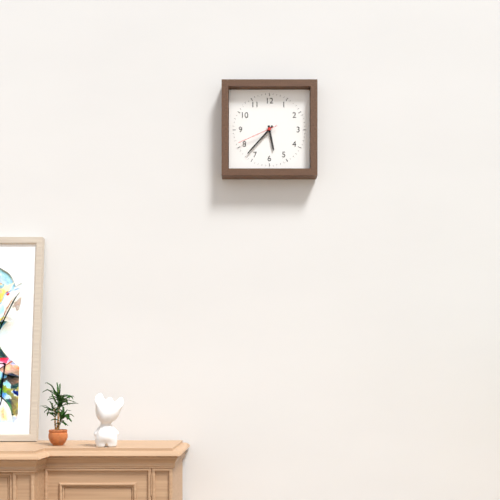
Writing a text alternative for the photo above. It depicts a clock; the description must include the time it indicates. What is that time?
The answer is 5:37
